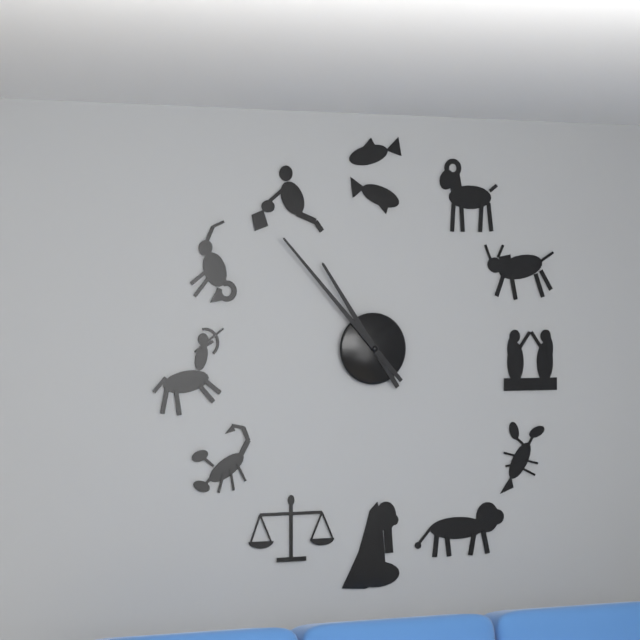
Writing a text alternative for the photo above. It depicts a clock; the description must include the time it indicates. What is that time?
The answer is 10:53
